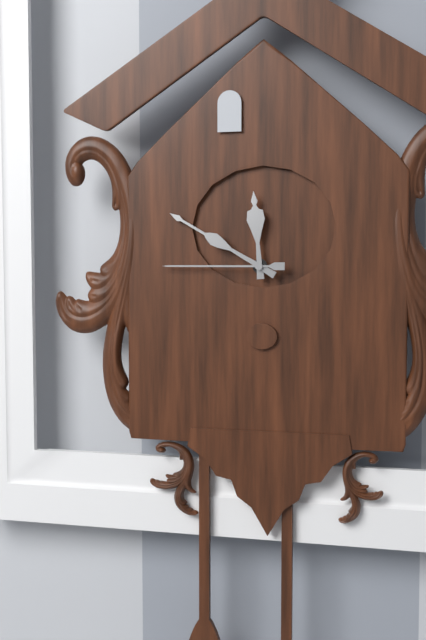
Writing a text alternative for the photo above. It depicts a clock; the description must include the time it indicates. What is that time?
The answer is 11:50:45
